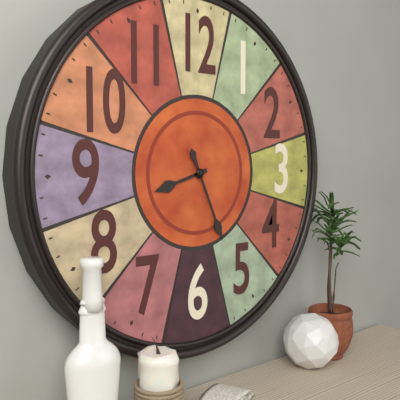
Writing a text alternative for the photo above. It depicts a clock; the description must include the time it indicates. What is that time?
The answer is 8:26
